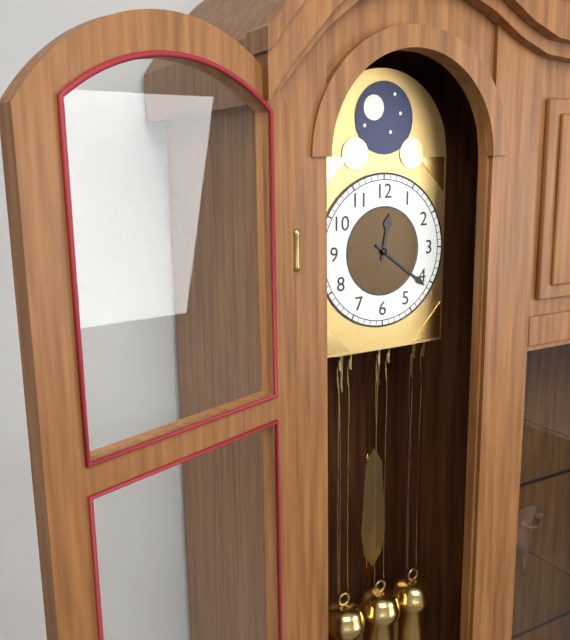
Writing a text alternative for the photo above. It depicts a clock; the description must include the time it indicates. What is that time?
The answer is 12:21
